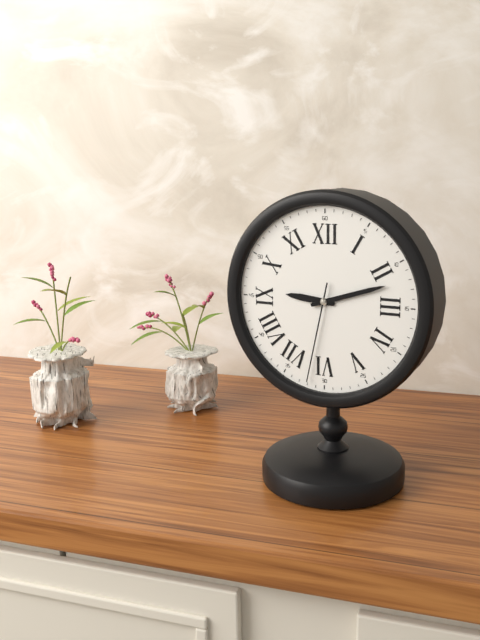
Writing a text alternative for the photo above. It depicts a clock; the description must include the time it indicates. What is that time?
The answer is 9:12:32
